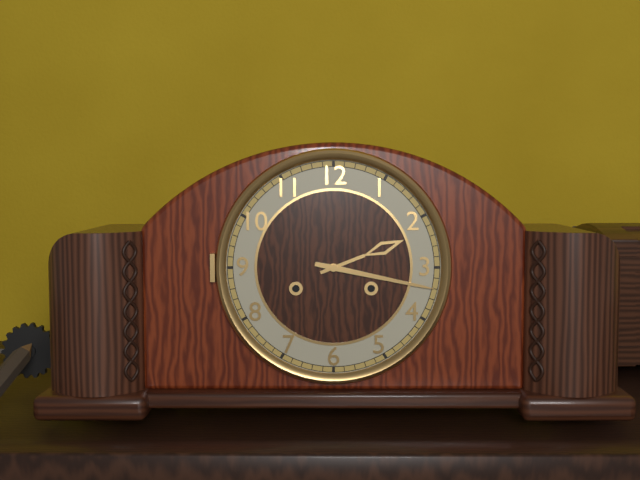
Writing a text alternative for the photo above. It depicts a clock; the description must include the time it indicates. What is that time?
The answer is 2:17
